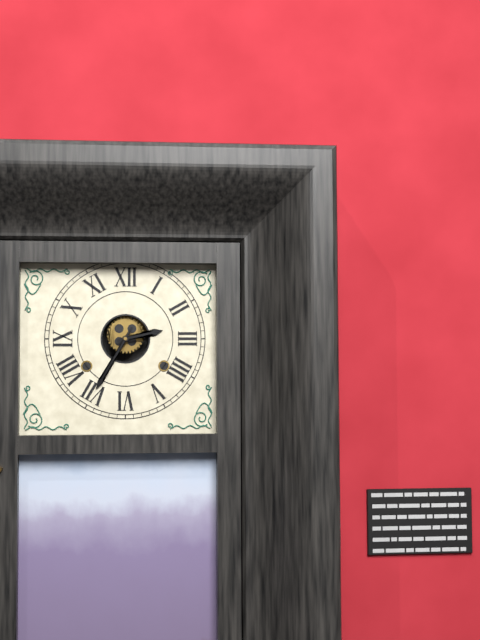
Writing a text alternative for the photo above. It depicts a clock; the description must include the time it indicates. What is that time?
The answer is 2:35
